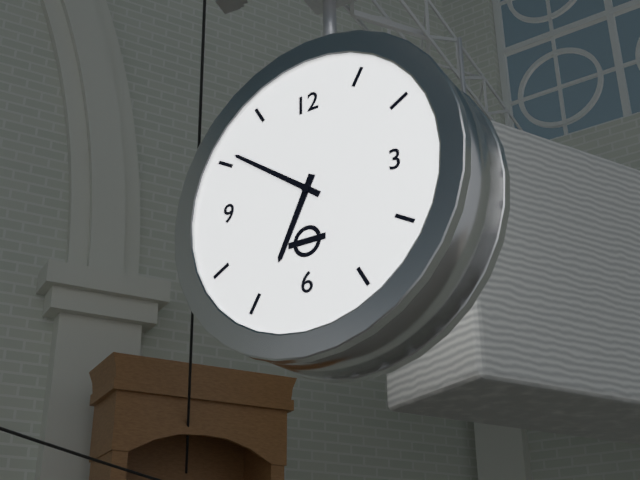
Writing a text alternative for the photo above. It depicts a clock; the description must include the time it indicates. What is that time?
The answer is 6:51
